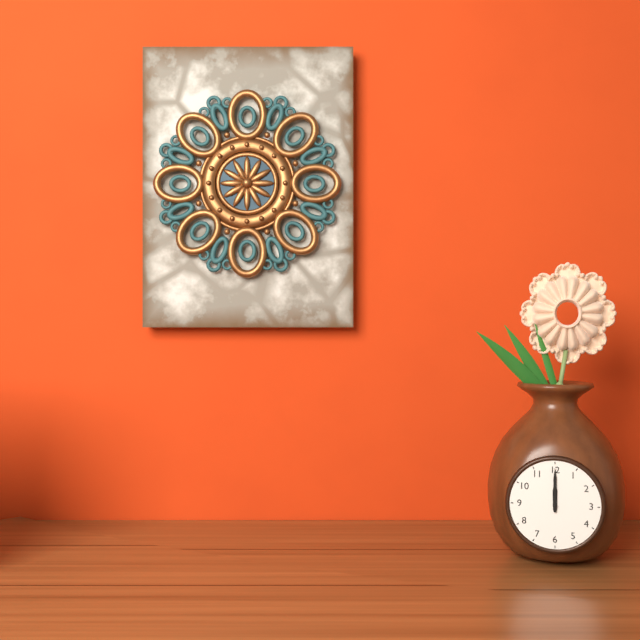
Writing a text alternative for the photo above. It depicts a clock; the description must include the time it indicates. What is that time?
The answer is 12:00
